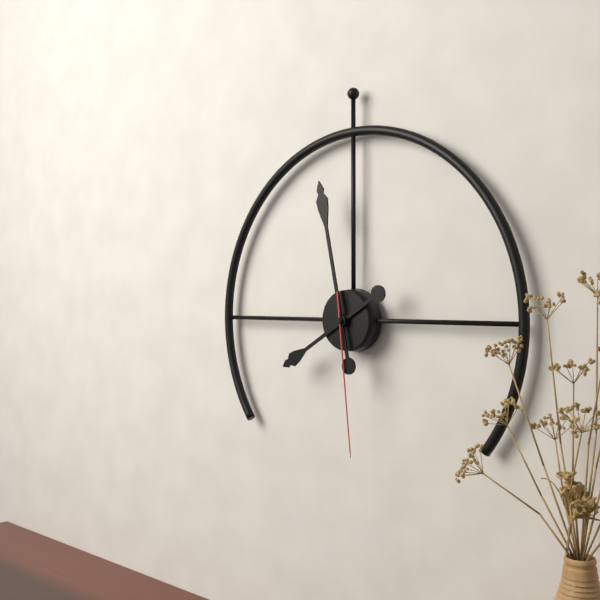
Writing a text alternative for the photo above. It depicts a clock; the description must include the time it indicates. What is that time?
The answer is 7:58:29
